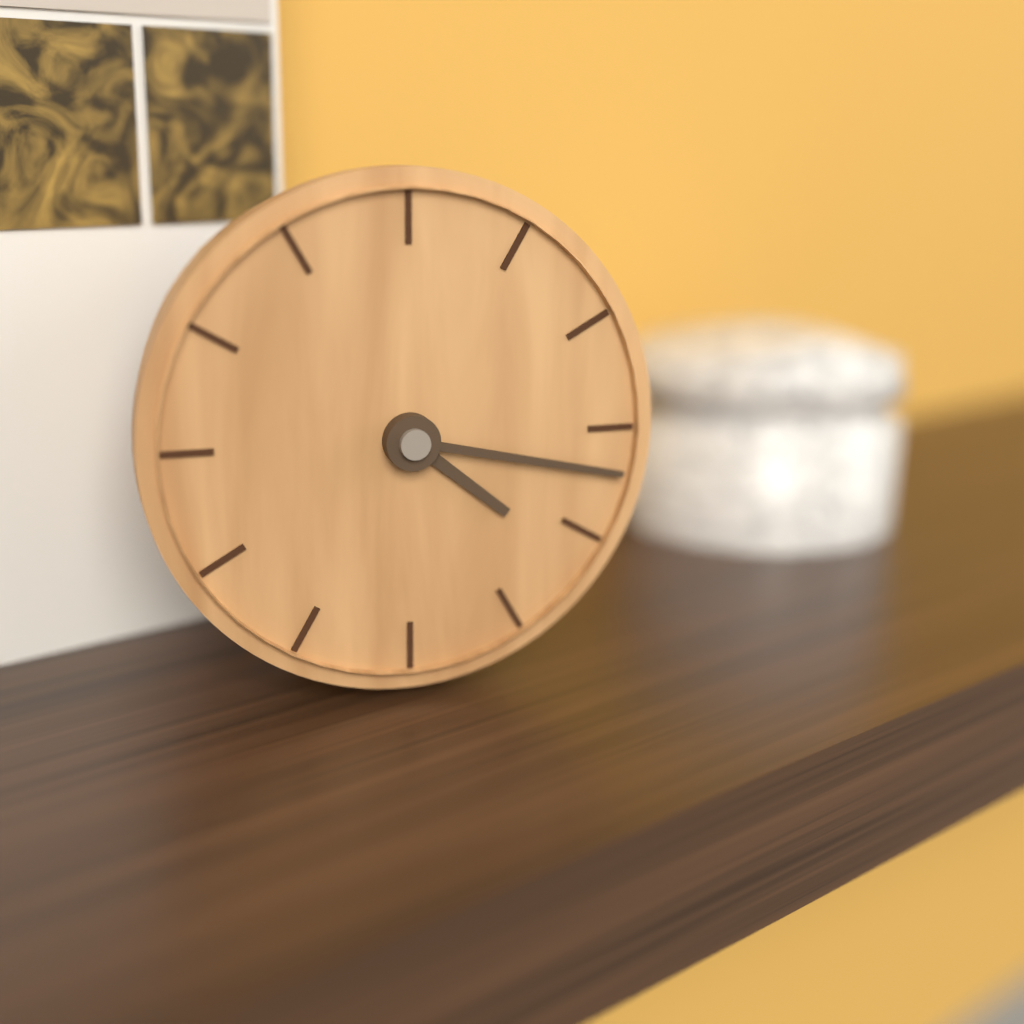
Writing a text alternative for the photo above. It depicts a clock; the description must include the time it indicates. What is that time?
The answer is 4:17
